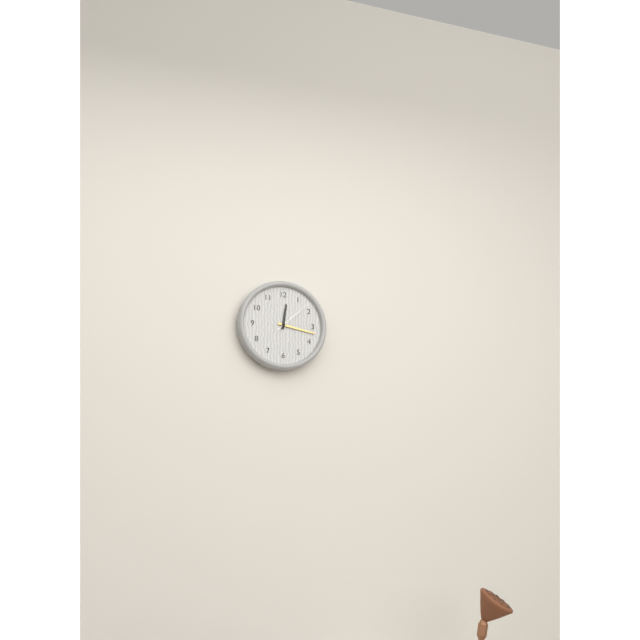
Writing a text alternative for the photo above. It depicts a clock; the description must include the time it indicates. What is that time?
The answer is 12:17
